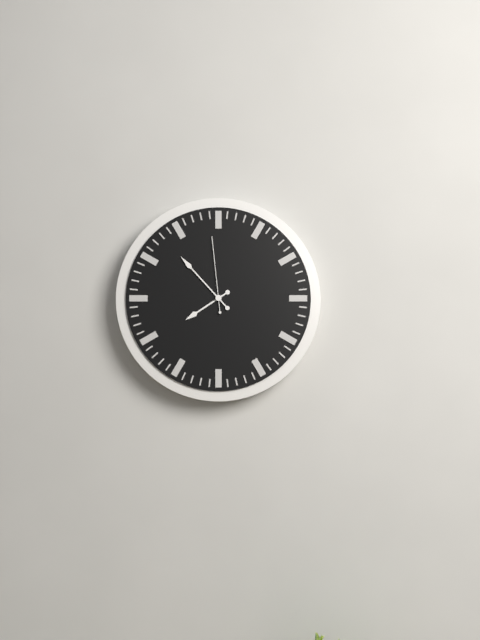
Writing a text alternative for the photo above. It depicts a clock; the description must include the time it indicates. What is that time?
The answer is 7:53:59
